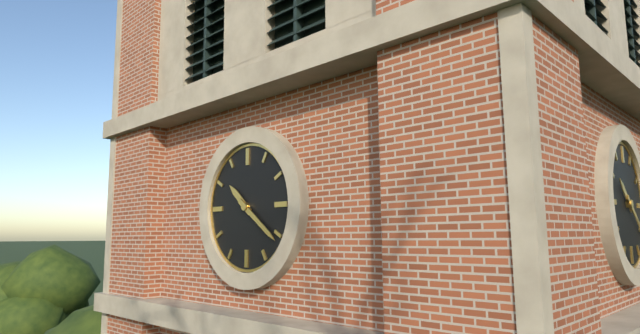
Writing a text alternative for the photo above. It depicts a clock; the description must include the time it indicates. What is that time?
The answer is 10:21
